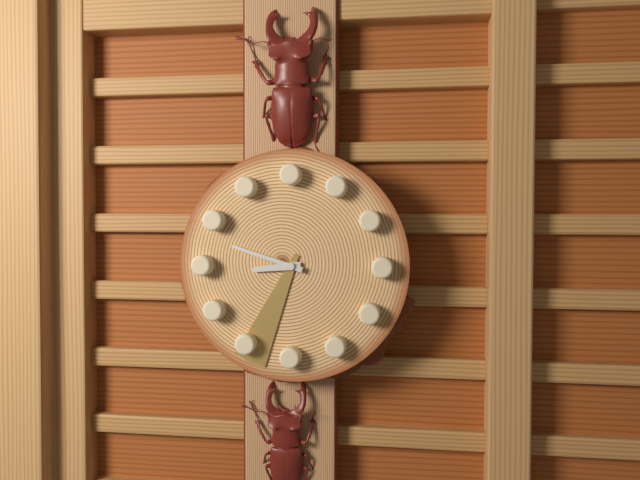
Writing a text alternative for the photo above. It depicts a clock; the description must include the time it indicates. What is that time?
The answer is 8:48:34
